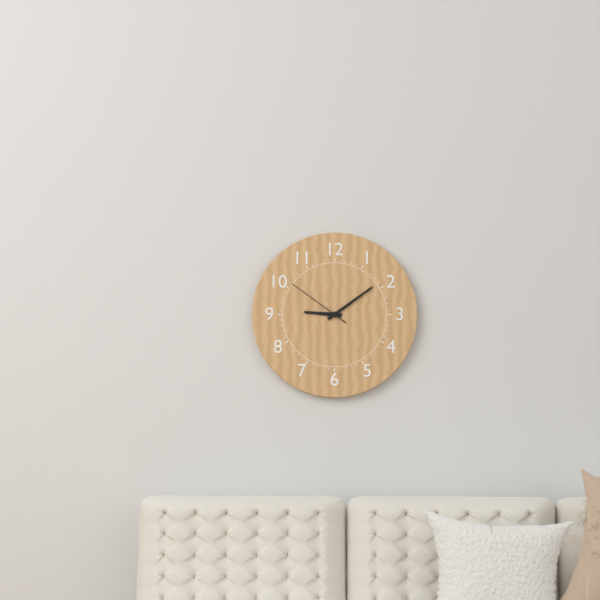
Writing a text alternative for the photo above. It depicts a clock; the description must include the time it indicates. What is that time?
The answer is 9:09:51
